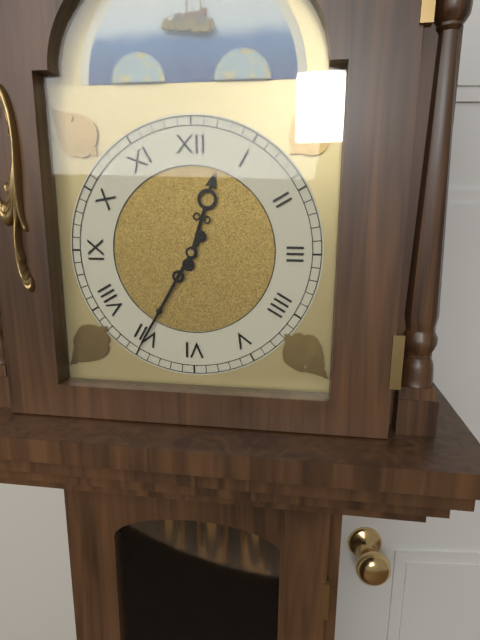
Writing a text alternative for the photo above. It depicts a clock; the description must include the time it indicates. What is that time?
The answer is 12:35
